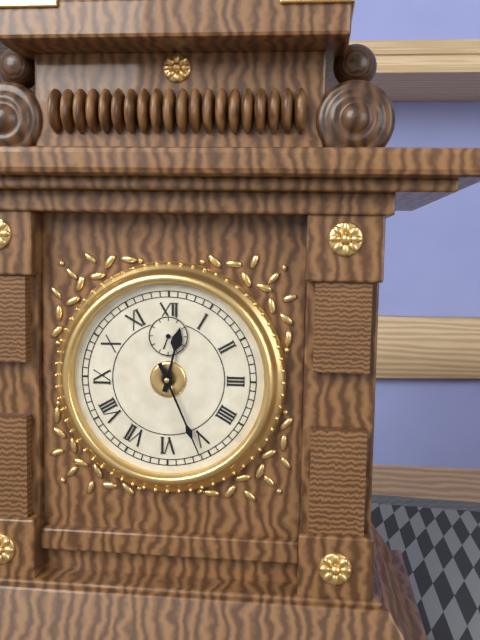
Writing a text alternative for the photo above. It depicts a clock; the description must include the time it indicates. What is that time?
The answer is 12:26
